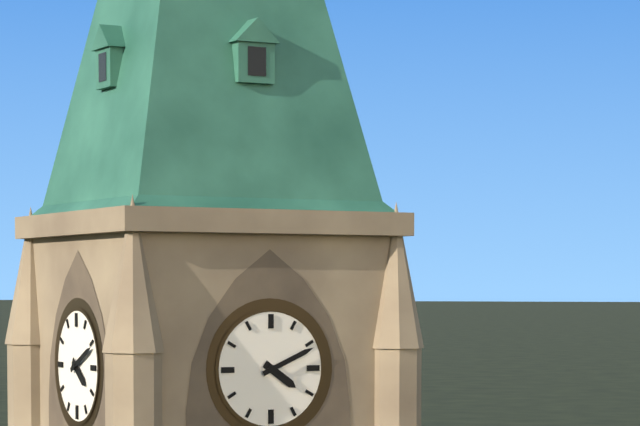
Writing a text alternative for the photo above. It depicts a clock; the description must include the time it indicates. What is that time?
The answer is 4:11
